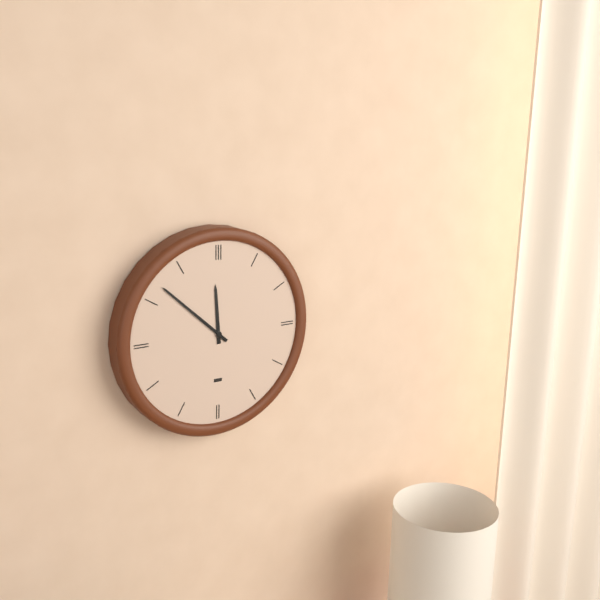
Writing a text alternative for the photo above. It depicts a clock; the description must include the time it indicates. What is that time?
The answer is 11:52
